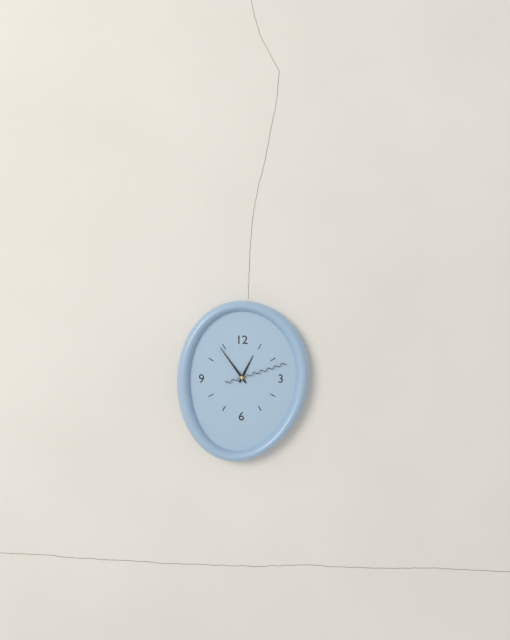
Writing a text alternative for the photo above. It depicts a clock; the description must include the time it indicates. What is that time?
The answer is 12:54:12
